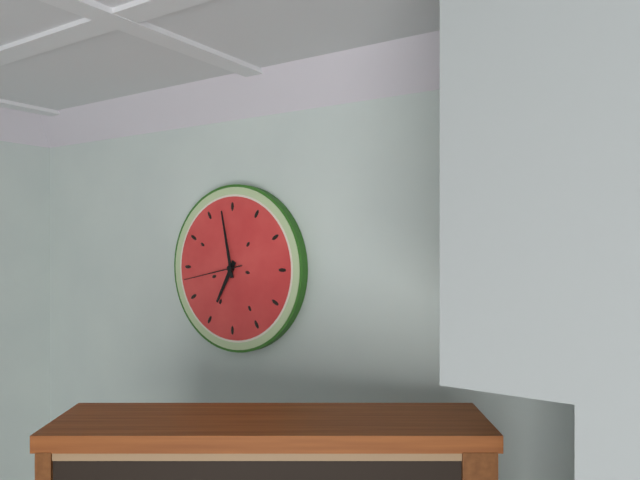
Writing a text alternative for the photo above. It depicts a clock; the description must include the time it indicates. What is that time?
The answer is 6:58:43
